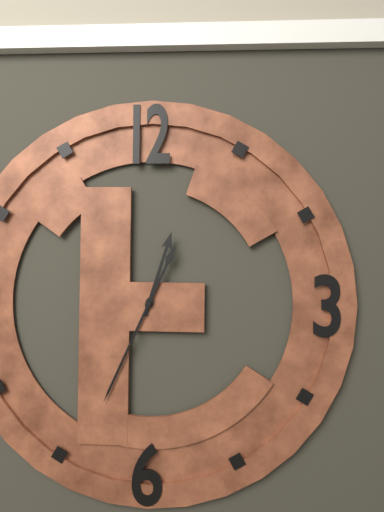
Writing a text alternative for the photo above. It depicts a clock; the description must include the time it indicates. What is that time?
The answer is 12:34
